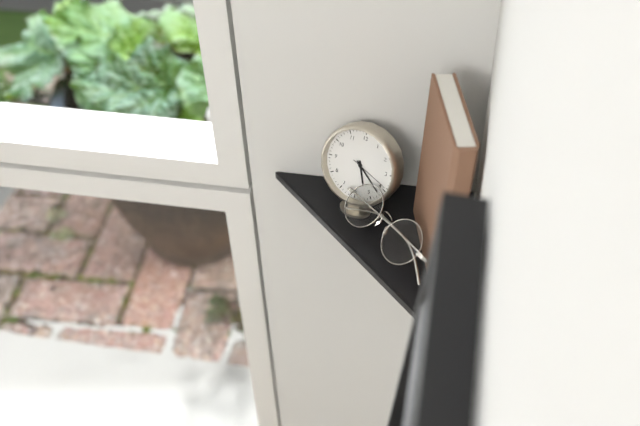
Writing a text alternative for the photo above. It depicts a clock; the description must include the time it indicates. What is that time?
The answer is 5:22
